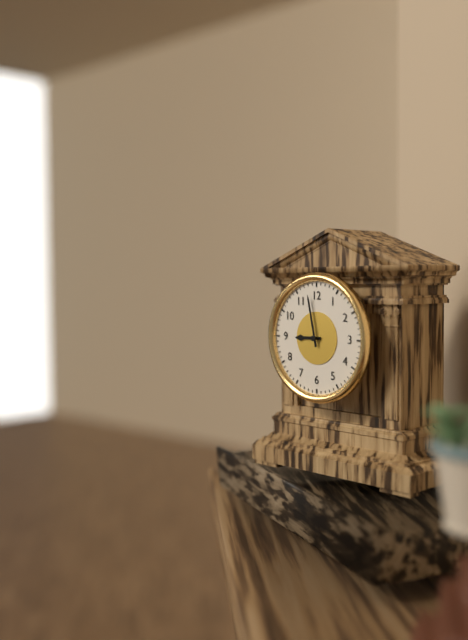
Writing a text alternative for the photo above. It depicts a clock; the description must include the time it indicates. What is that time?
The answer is 8:58
